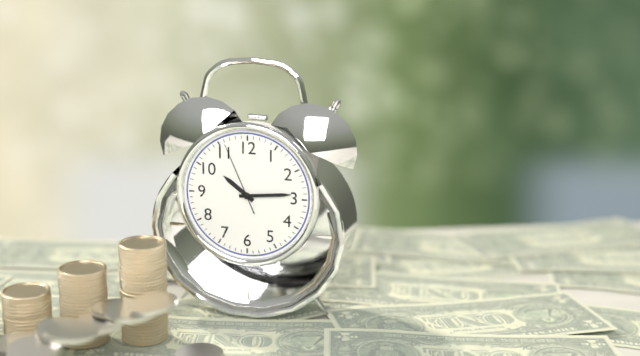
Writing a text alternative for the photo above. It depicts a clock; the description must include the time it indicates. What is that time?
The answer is 10:14:56
